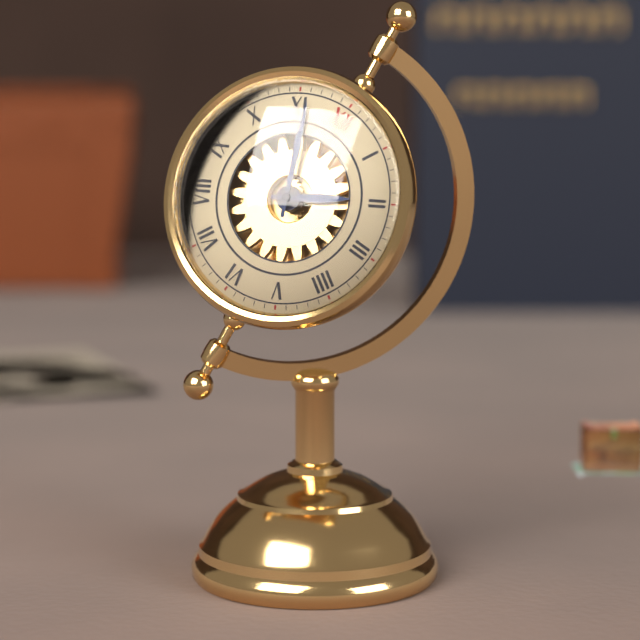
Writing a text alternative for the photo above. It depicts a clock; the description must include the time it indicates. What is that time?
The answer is 1:56
